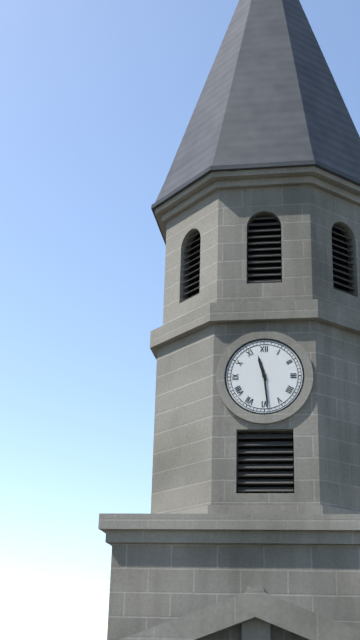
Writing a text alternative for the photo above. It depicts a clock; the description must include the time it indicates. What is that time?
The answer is 11:29
